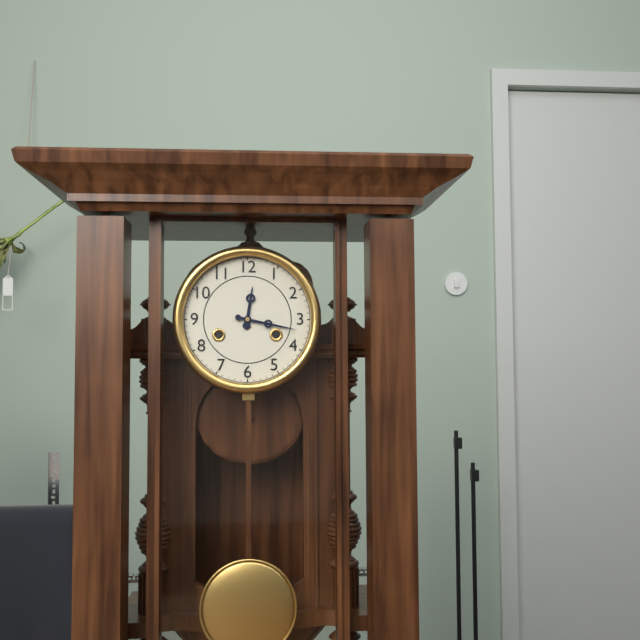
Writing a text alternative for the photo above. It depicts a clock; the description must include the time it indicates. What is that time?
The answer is 12:17
